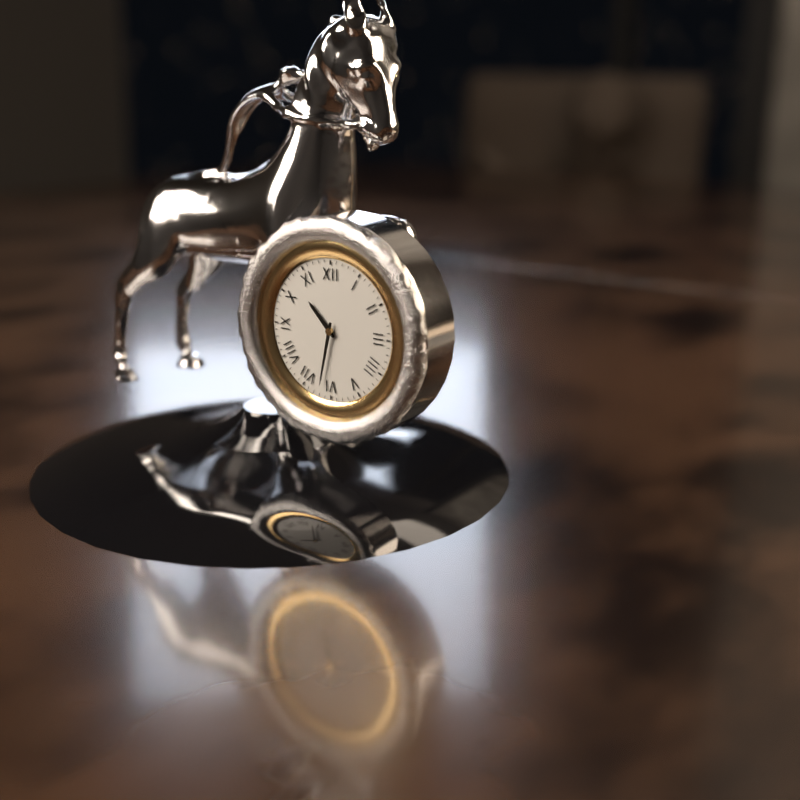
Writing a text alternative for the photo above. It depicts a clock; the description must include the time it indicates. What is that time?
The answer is 10:32
